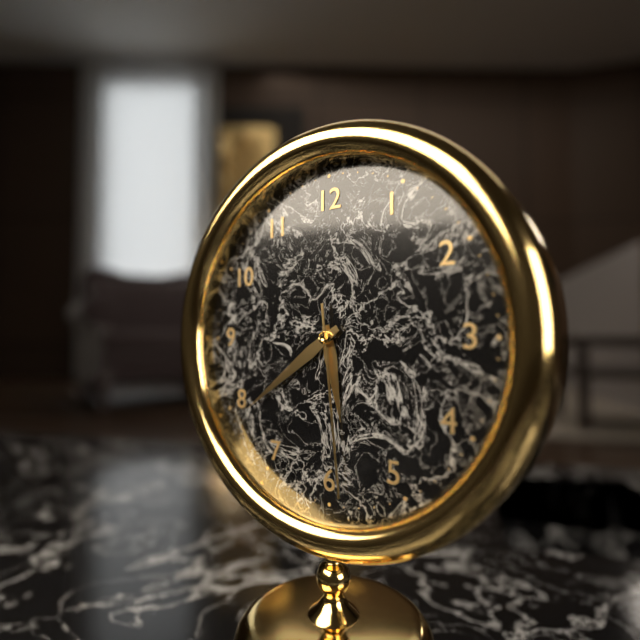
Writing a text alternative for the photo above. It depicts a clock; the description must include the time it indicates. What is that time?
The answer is 5:39:29
